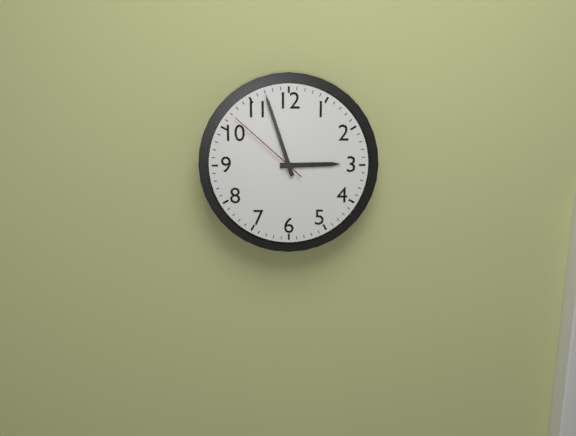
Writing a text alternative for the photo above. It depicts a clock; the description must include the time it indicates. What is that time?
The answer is 2:57:52
